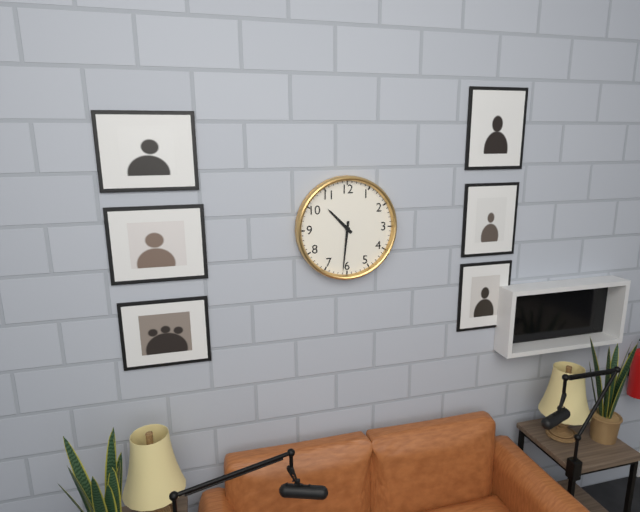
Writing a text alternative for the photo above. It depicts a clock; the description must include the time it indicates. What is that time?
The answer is 10:31
